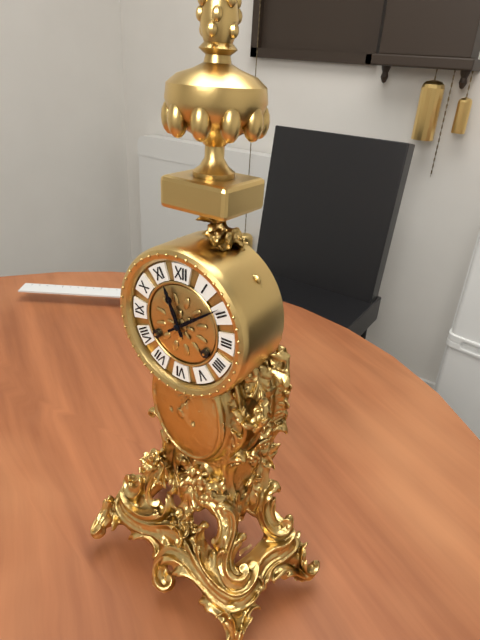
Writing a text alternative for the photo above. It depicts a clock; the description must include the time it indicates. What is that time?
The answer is 11:09
